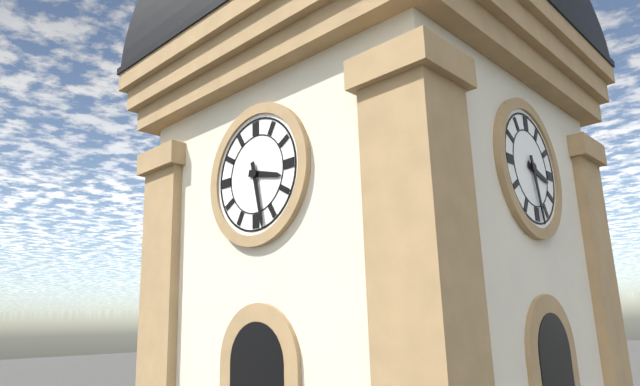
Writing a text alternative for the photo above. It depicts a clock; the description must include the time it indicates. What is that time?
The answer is 3:28
